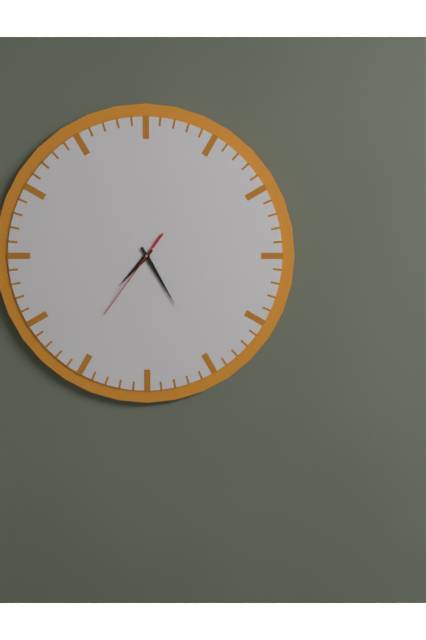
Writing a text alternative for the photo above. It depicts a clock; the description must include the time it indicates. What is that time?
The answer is 7:25:36
